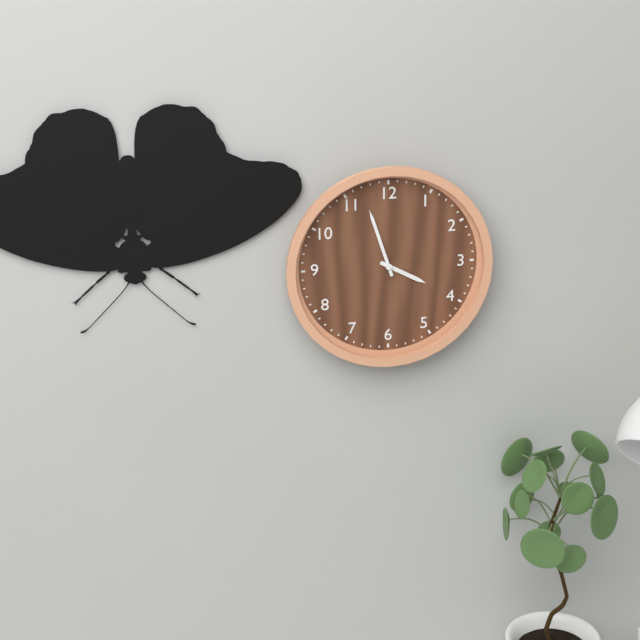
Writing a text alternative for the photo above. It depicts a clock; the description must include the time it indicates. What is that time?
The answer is 3:57
